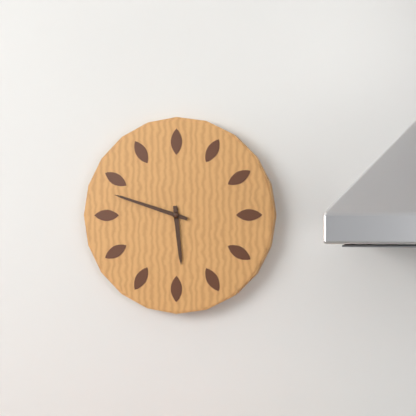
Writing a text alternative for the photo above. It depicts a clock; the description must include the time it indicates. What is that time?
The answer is 5:48
